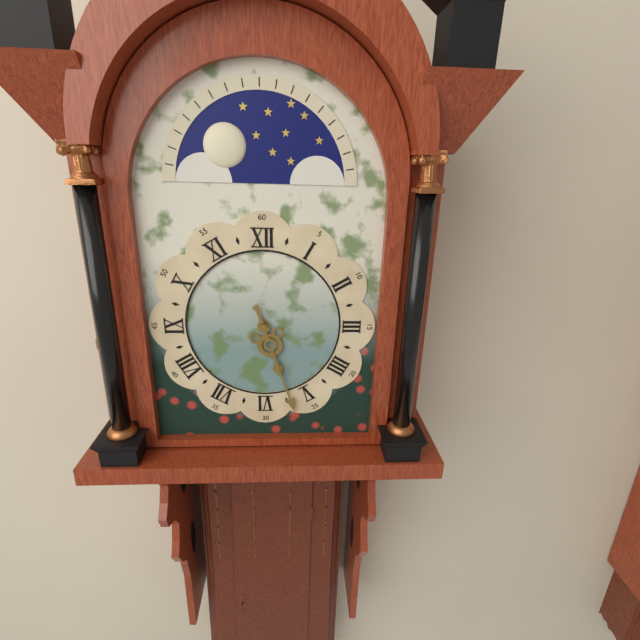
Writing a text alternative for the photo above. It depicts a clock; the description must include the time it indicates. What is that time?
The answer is 5:27
